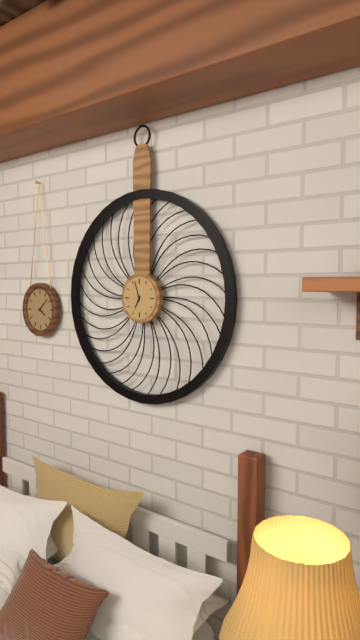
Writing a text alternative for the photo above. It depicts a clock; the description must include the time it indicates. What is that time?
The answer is 6:57
